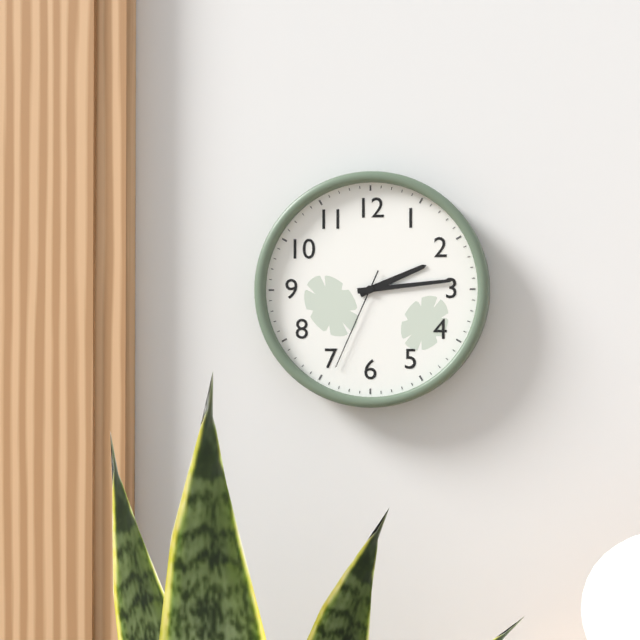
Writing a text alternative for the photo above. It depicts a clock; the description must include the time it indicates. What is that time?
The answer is 2:14:34
